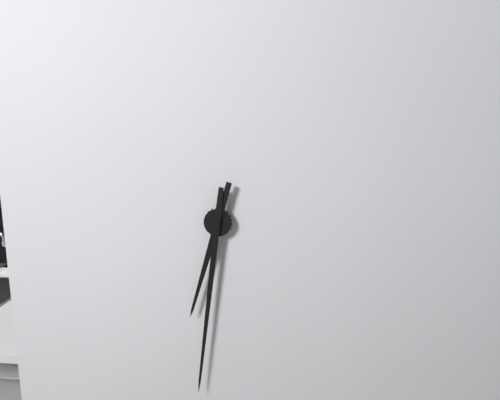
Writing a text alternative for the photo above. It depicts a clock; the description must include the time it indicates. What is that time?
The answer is 6:31
